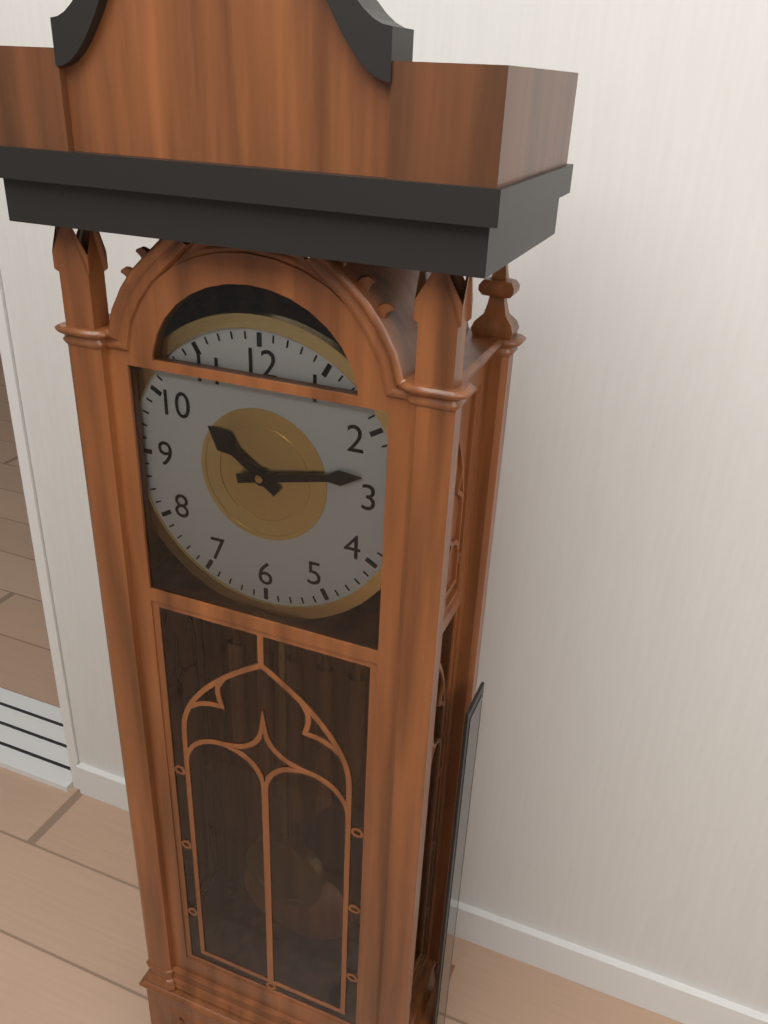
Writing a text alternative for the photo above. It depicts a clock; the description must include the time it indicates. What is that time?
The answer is 10:13
